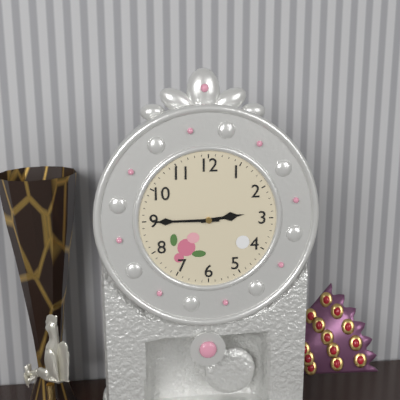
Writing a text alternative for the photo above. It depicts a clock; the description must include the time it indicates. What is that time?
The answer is 2:45
